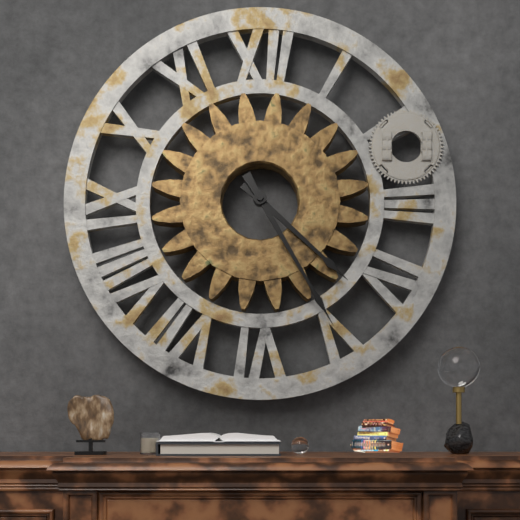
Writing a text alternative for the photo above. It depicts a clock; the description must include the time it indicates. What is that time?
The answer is 4:25
